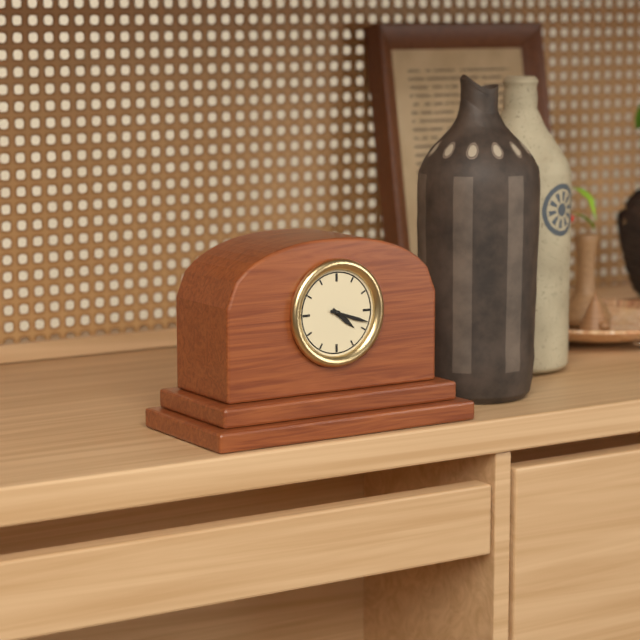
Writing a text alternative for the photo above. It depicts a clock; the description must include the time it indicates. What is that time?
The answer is 4:18
